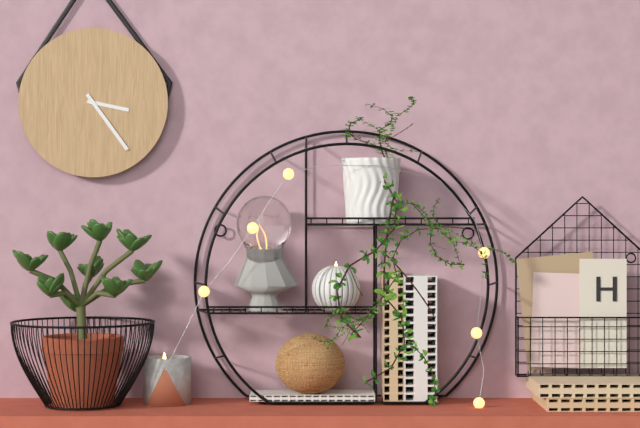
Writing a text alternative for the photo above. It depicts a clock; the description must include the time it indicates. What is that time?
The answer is 3:24
